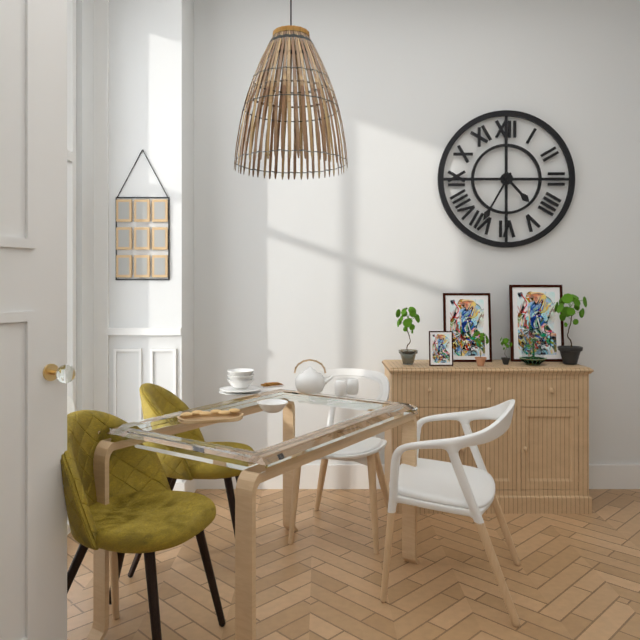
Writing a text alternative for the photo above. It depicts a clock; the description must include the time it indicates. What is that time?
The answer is 4:35
